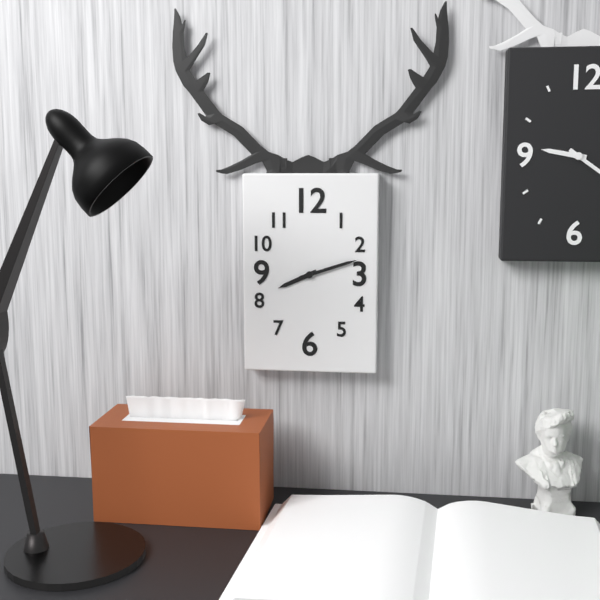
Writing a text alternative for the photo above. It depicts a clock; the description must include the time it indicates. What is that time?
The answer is 8:12
